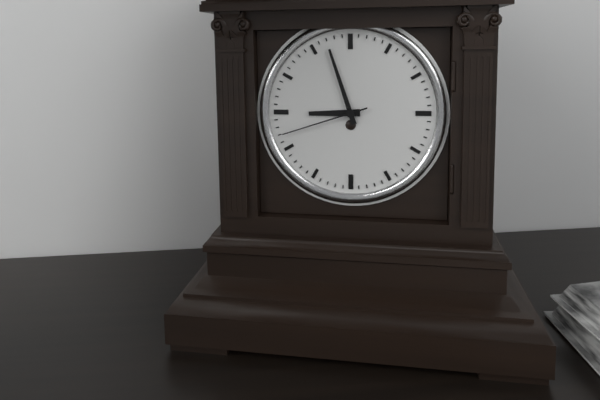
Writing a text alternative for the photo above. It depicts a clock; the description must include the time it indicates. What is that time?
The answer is 8:57:42
